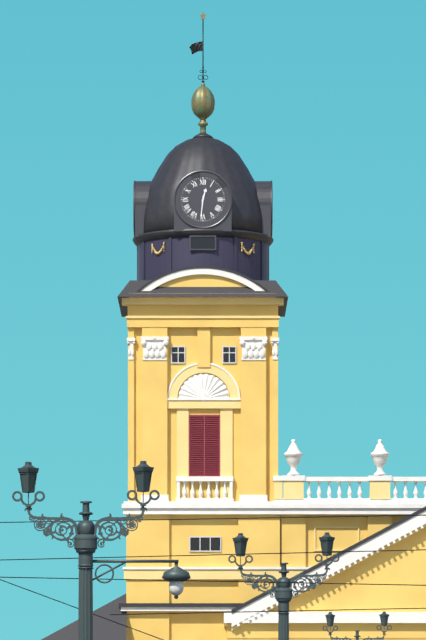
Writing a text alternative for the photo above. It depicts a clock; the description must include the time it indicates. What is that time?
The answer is 12:31
